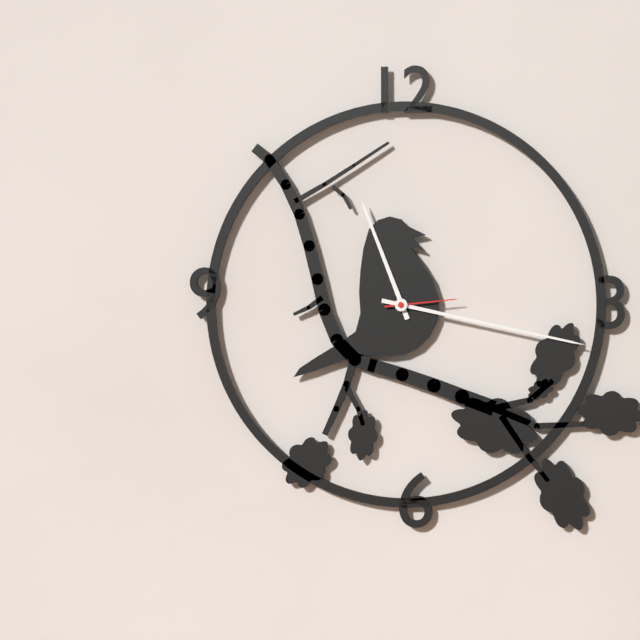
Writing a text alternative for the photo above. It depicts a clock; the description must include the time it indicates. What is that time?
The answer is 11:17:14
